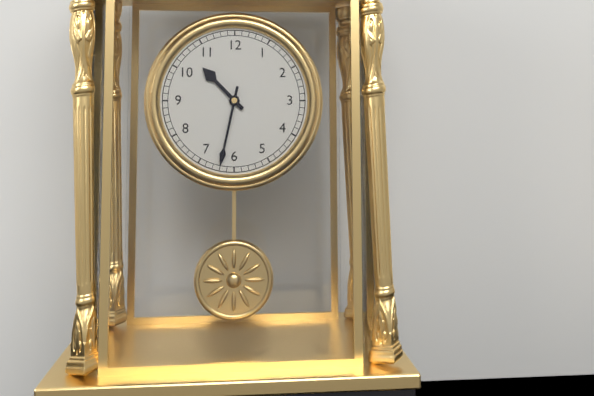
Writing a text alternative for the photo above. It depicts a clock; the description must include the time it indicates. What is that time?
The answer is 10:32
